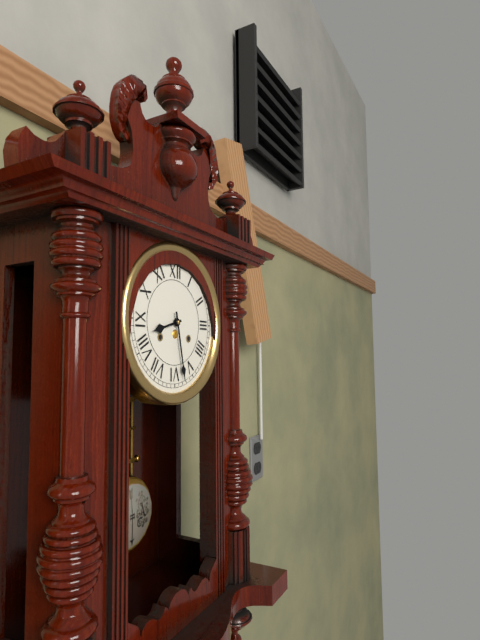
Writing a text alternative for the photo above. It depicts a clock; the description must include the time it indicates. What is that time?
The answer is 8:28
